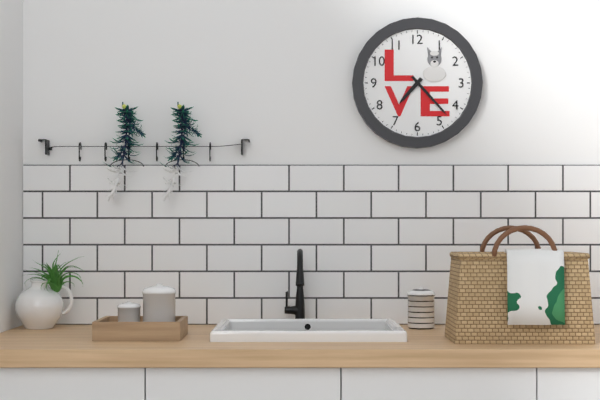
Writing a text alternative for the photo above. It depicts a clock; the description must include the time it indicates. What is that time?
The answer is 7:23
